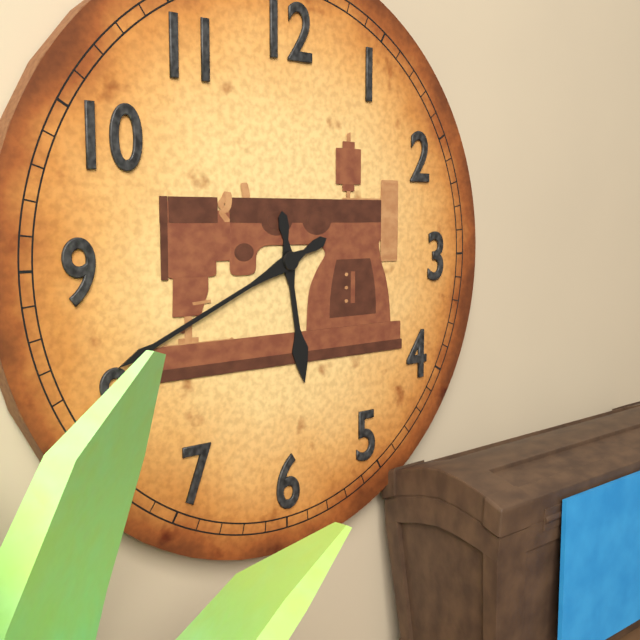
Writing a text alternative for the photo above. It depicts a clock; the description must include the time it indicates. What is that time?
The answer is 5:41
